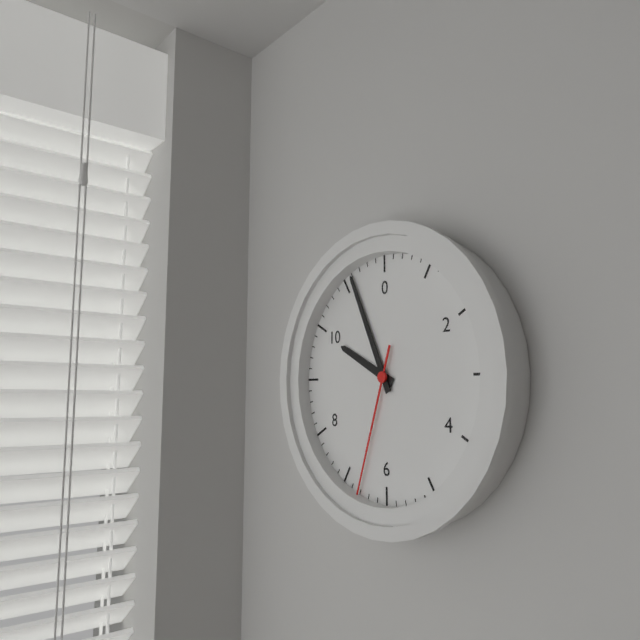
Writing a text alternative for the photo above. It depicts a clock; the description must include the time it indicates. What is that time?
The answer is 9:56:33
